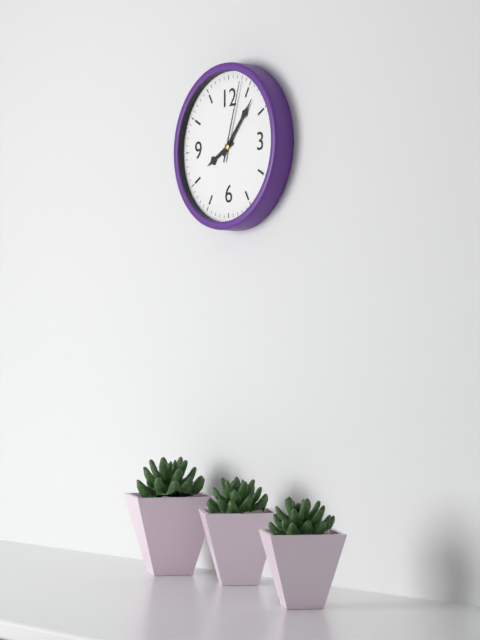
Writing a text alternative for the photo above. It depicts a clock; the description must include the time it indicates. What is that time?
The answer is 8:07:03
